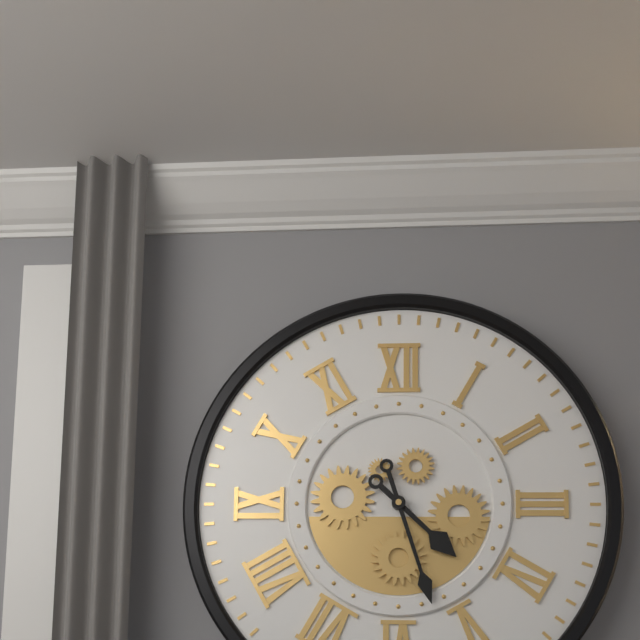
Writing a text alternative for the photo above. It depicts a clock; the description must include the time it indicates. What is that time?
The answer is 4:27
